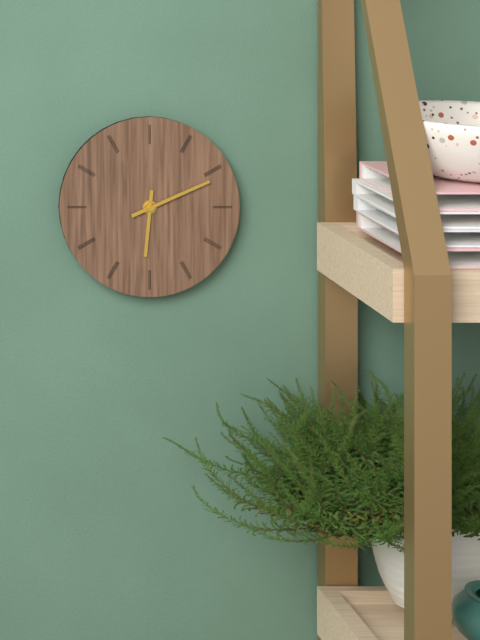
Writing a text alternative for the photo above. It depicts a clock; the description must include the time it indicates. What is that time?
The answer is 6:11
